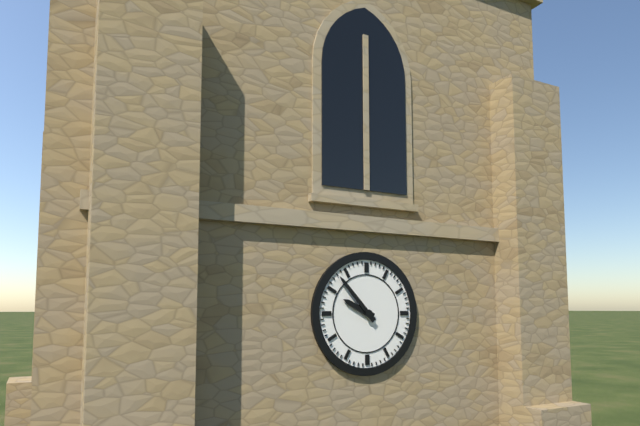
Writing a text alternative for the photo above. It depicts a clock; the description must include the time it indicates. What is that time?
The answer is 9:53
